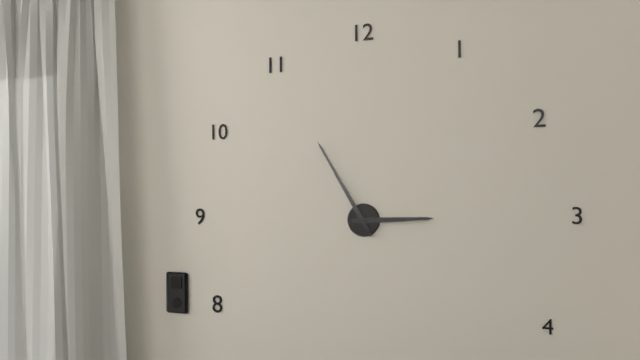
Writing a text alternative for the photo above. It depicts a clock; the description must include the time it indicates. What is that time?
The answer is 2:55
